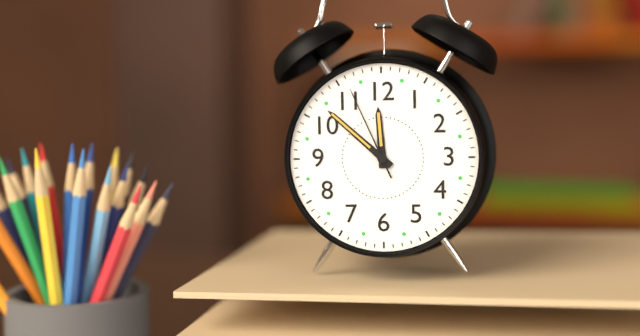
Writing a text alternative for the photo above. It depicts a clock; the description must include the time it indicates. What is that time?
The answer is 11:52:56
